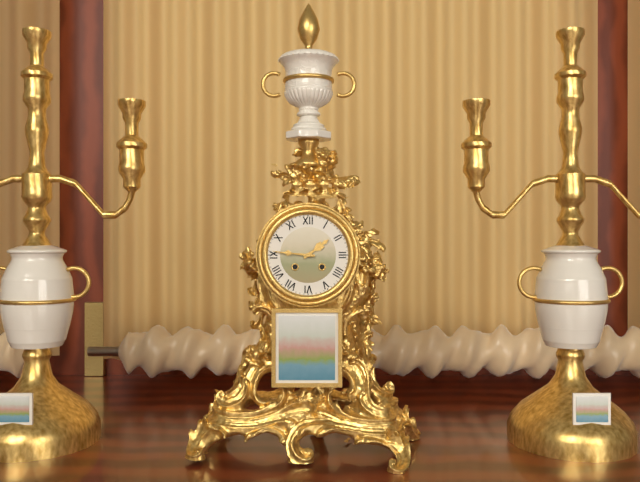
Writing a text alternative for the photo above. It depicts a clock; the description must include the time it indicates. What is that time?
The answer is 1:46
